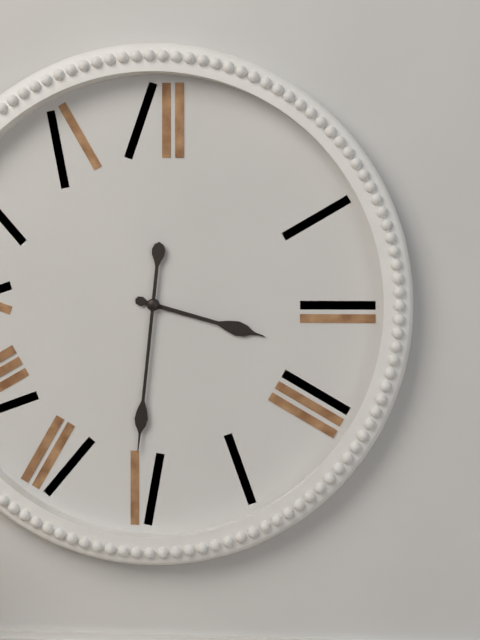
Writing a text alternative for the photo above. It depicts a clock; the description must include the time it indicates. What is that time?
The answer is 3:31
